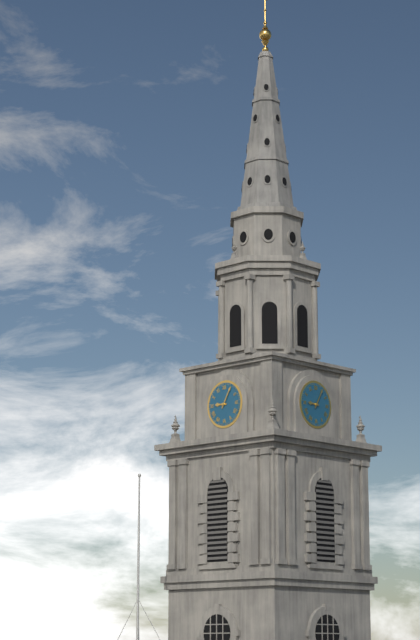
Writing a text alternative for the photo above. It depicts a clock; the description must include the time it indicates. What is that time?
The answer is 9:05
